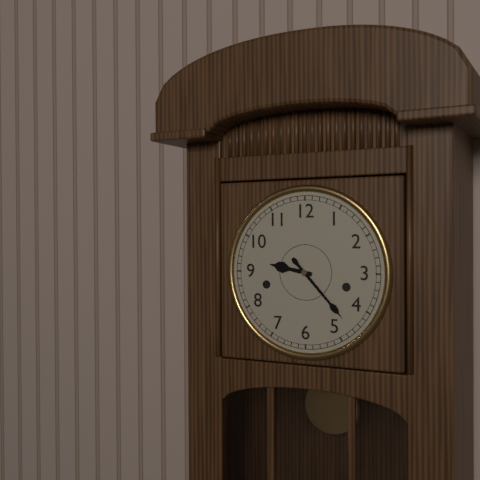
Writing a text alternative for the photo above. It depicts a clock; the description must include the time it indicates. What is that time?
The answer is 9:23
